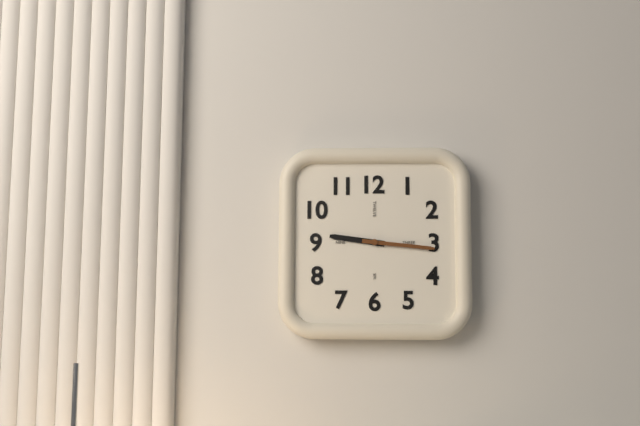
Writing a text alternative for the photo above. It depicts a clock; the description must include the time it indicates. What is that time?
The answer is 9:16
